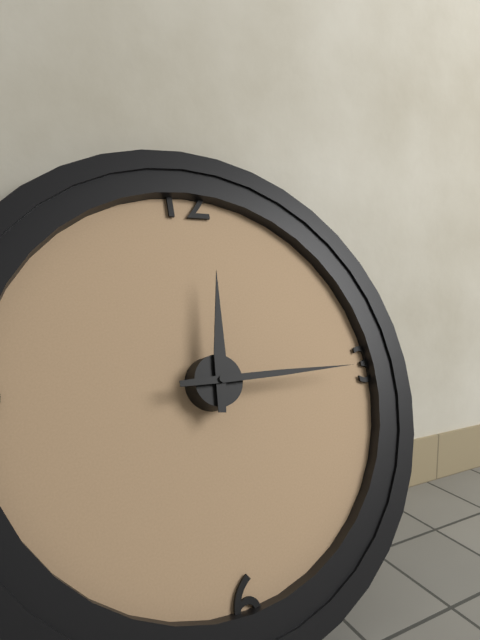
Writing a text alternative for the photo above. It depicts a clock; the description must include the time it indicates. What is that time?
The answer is 12:15
